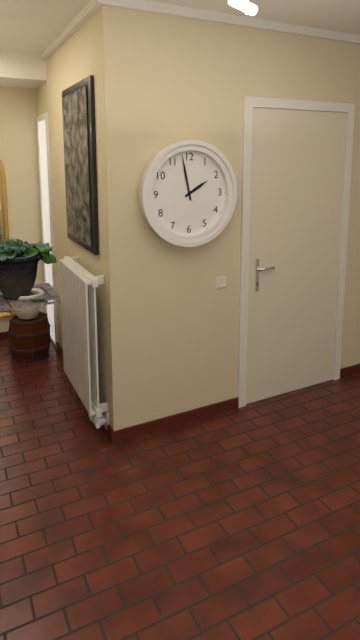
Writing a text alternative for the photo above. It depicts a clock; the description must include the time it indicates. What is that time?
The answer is 1:58
